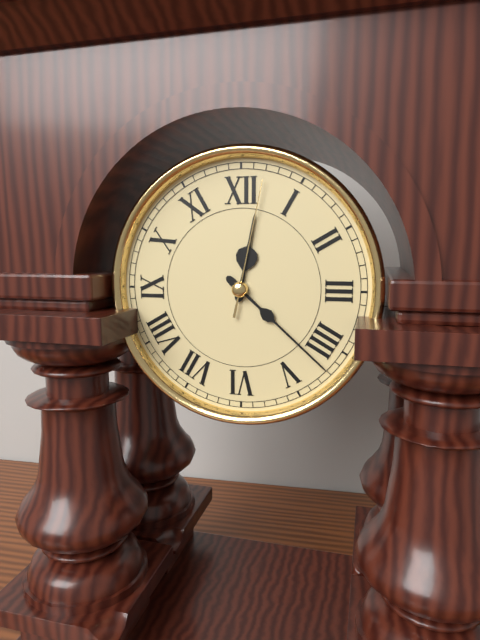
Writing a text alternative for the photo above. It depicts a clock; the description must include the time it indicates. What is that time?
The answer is 12:22:02
